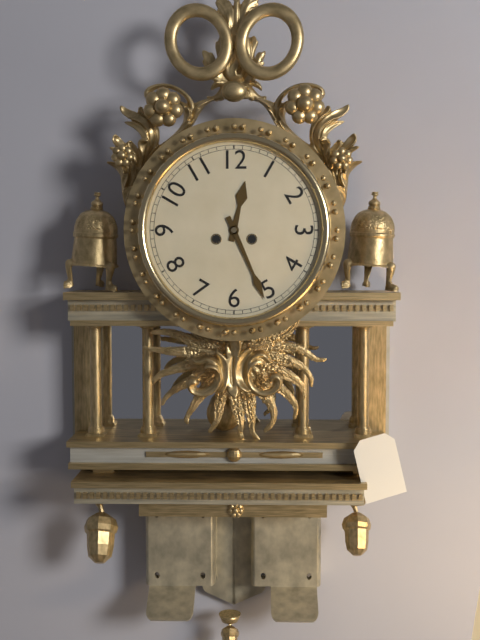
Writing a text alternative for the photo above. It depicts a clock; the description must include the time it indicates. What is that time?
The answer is 12:26
